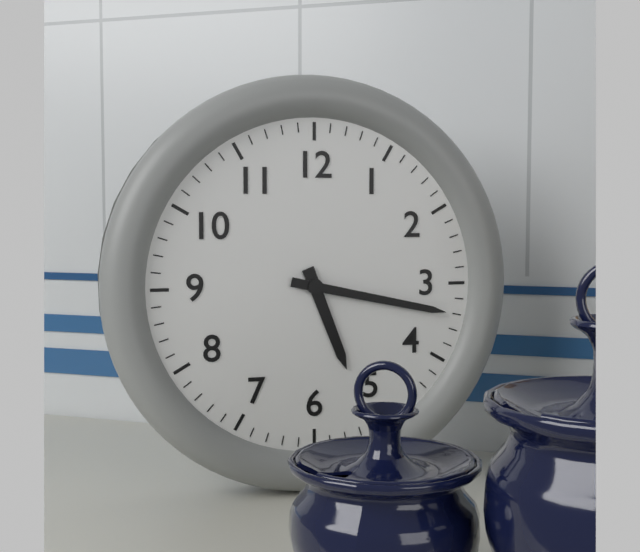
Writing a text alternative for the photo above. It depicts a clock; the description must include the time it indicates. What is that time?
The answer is 5:17
